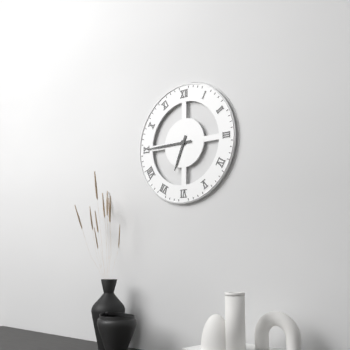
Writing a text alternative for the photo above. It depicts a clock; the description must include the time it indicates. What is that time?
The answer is 6:45
